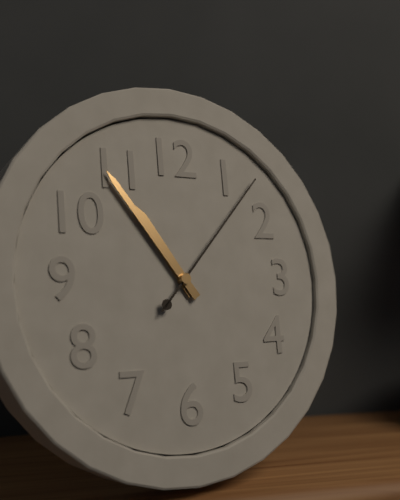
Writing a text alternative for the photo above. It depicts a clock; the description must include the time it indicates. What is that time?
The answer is 10:54:07
